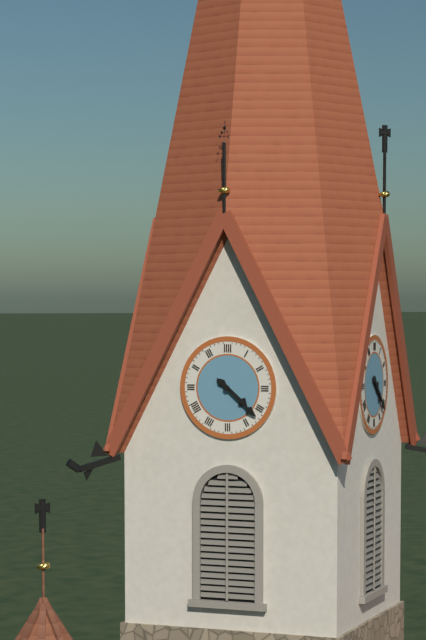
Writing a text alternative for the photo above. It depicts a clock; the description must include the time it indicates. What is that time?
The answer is 4:22
